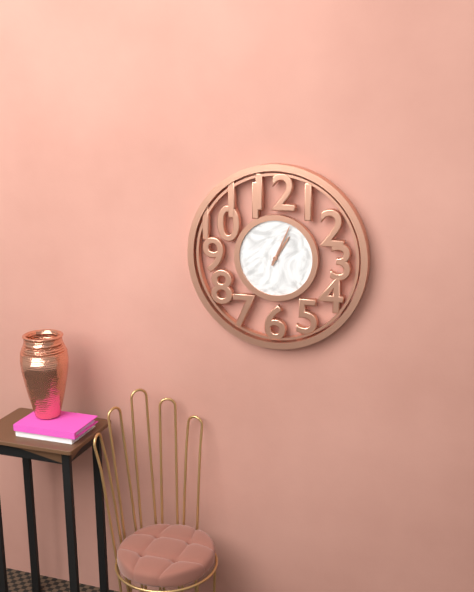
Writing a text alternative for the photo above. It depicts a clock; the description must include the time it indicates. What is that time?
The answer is 1:04
